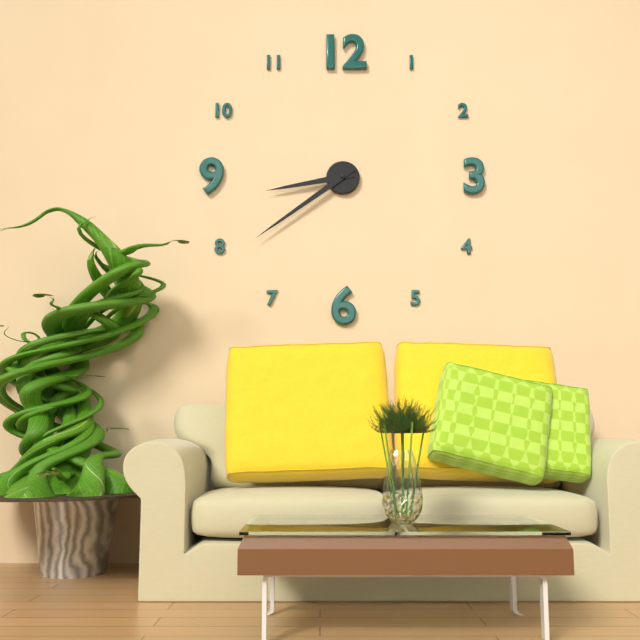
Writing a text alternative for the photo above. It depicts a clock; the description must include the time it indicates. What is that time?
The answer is 8:39
